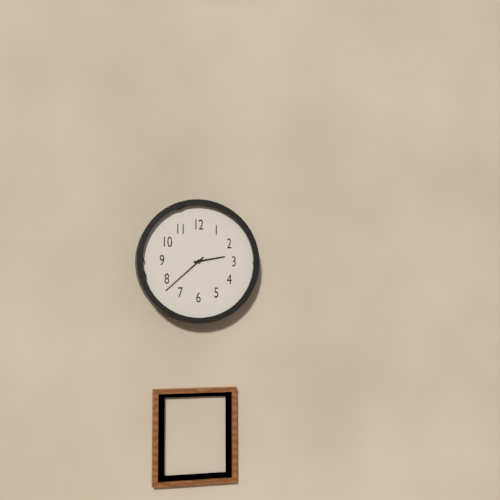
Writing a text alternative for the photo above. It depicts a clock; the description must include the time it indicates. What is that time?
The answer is 2:38
